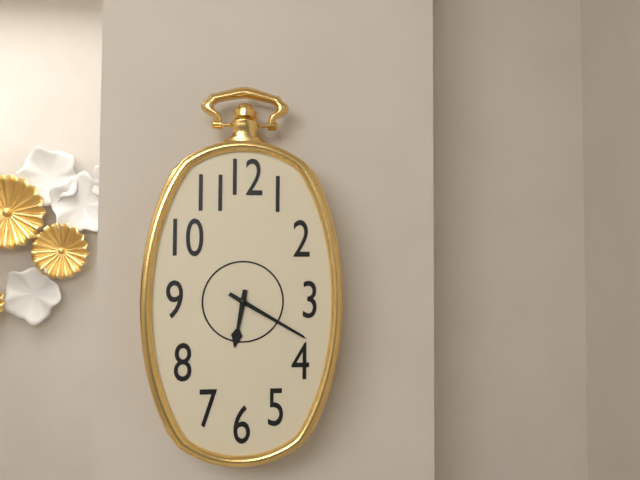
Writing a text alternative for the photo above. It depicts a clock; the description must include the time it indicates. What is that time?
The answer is 6:20
